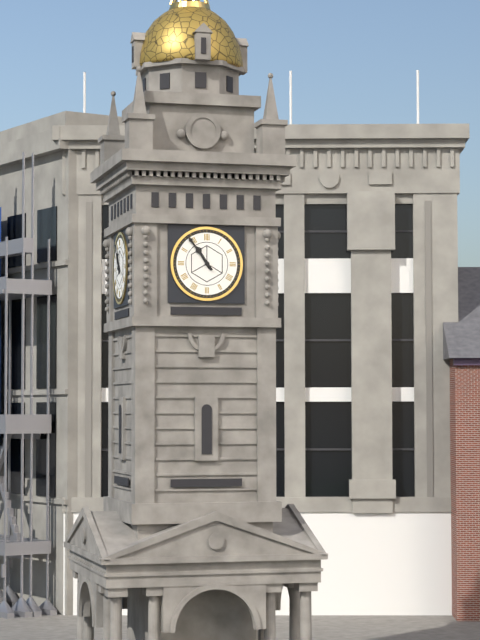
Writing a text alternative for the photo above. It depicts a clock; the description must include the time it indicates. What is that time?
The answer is 10:54
